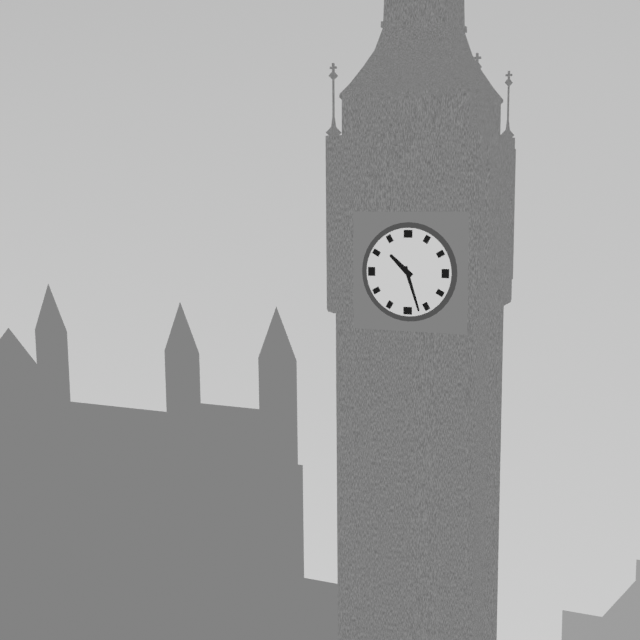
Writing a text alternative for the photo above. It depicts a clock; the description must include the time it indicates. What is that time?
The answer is 10:27
